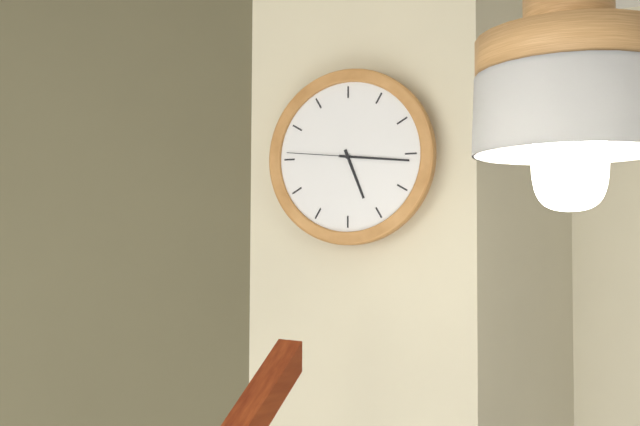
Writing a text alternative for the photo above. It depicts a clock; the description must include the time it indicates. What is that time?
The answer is 5:16:46
